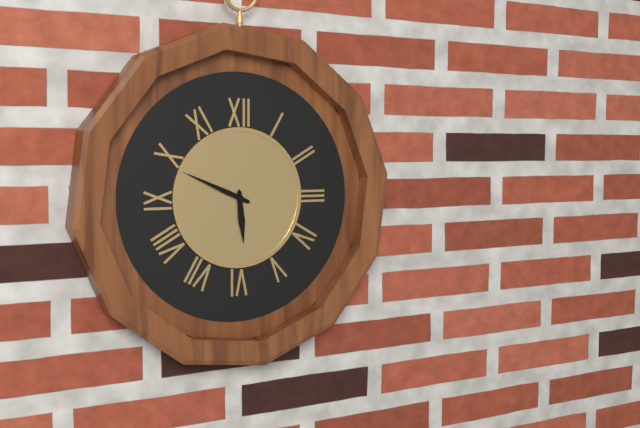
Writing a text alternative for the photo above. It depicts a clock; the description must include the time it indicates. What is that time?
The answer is 5:49
